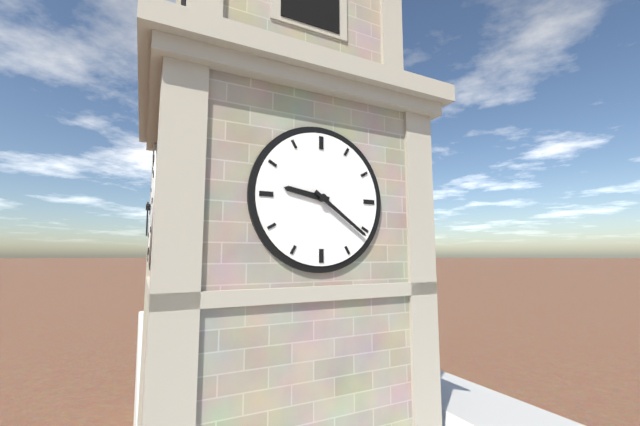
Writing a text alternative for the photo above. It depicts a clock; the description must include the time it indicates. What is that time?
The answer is 9:21
